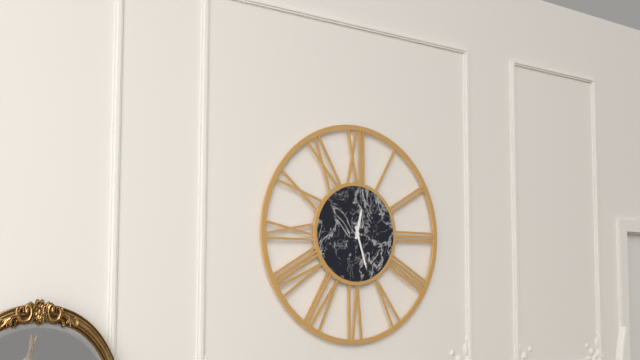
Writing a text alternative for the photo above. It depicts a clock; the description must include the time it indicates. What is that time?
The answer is 12:27
